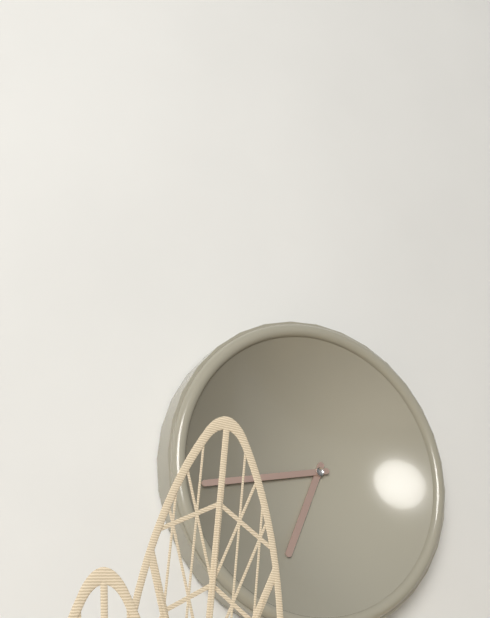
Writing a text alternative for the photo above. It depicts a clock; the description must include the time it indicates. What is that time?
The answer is 6:43
